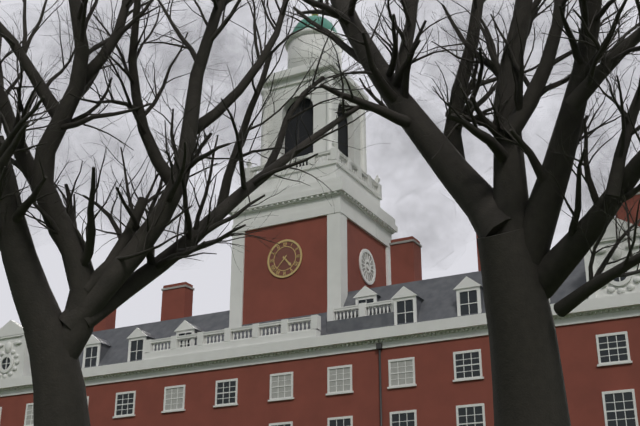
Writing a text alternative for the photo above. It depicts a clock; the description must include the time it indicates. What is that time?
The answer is 4:37
